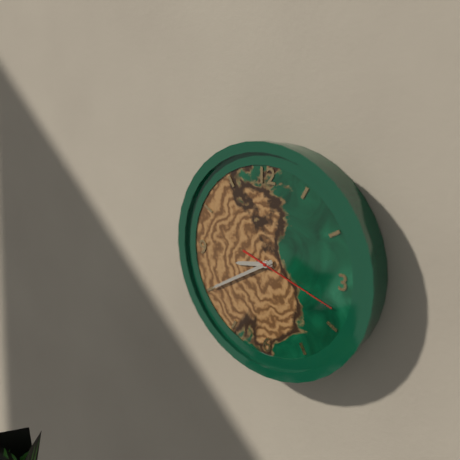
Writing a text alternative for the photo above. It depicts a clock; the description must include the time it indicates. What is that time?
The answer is 8:40:18
